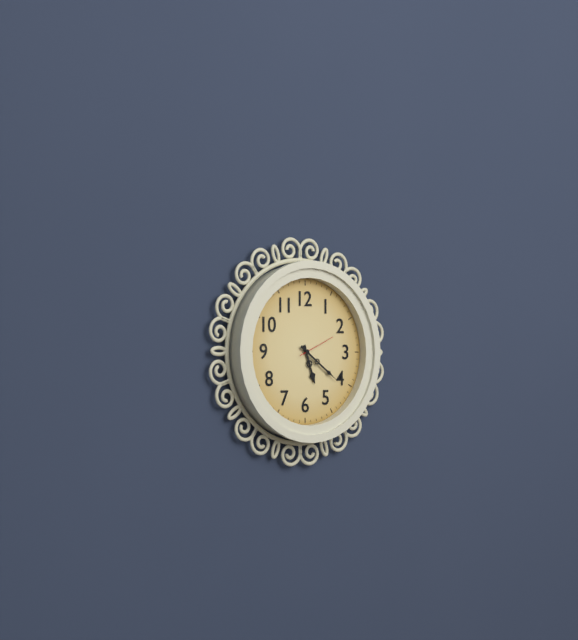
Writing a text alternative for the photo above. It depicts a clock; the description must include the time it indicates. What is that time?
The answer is 5:21
